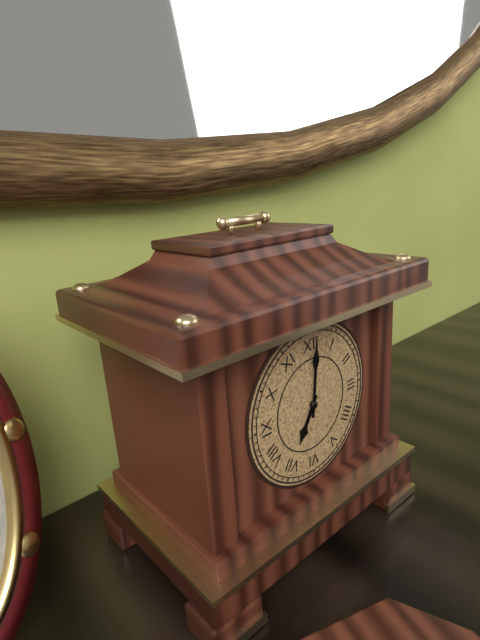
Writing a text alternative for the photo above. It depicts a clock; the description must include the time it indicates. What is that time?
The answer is 7:01
